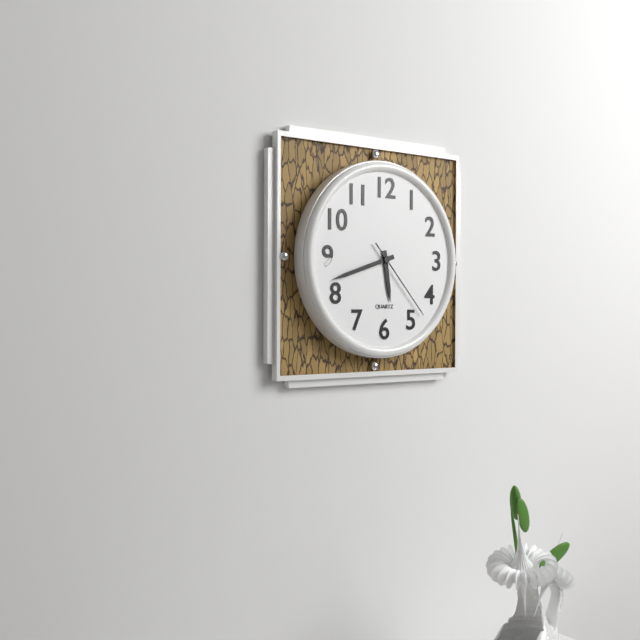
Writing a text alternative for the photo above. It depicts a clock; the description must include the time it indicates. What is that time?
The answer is 5:42:23
